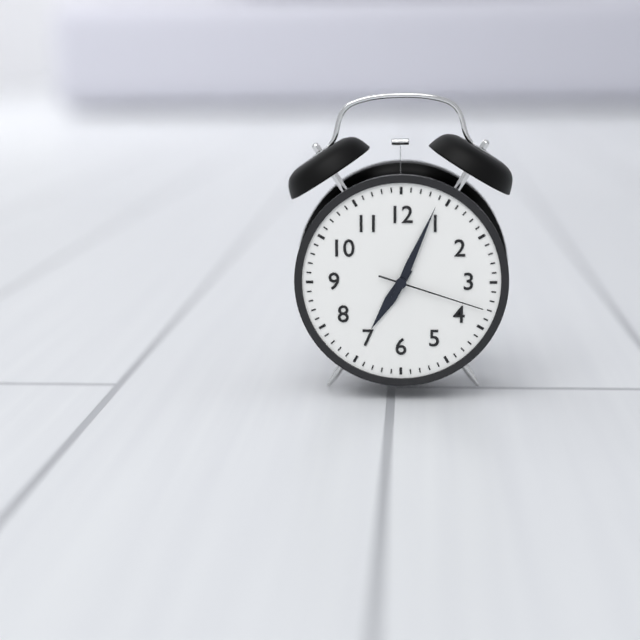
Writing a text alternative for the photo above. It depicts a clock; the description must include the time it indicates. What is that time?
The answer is 7:04:18
